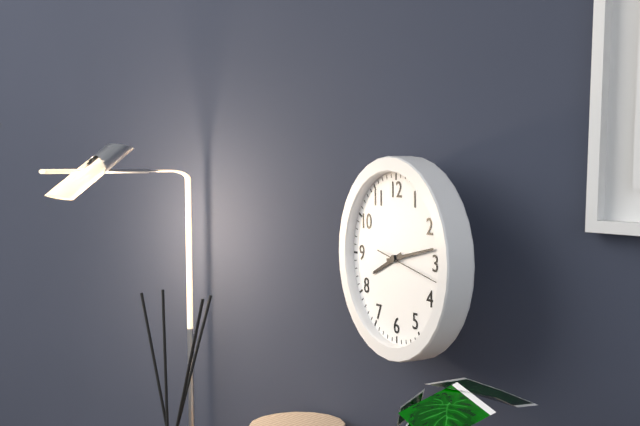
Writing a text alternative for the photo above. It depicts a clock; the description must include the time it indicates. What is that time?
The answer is 8:13:17
